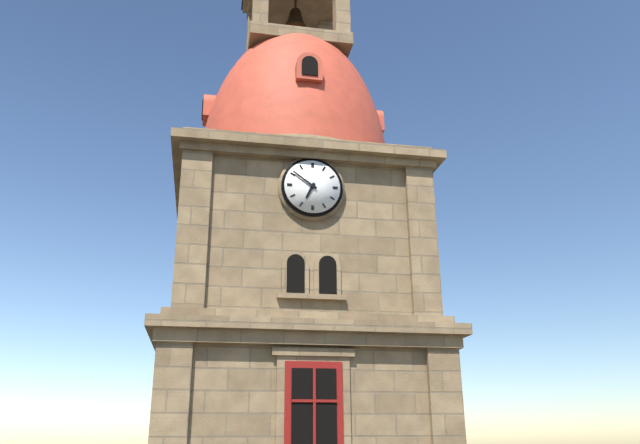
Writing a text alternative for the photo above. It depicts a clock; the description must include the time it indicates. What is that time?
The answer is 6:51
